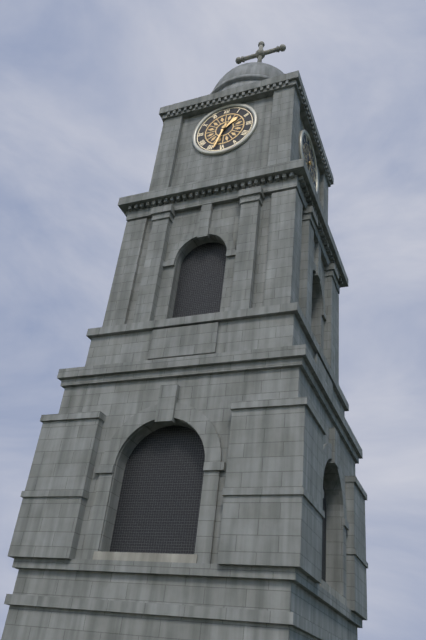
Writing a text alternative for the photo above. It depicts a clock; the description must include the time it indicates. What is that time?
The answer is 1:33
